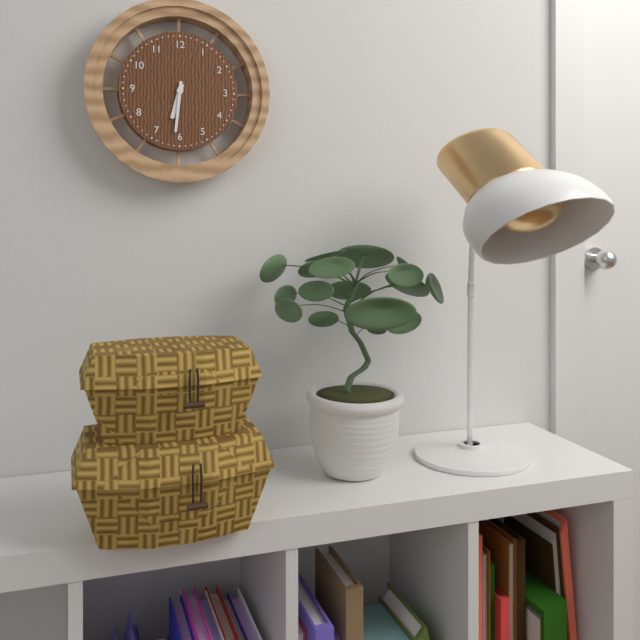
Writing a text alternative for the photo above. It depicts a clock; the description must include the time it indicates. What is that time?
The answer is 6:31
